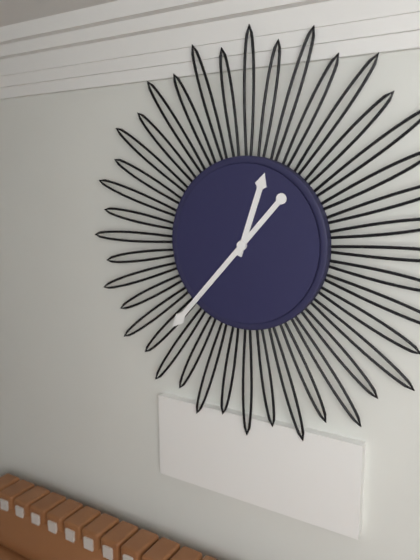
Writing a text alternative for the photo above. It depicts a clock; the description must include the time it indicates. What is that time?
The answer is 12:37
